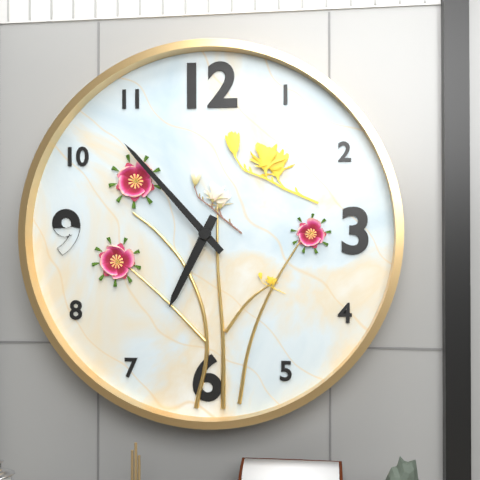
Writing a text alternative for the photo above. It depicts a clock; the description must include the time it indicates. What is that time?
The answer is 6:53
